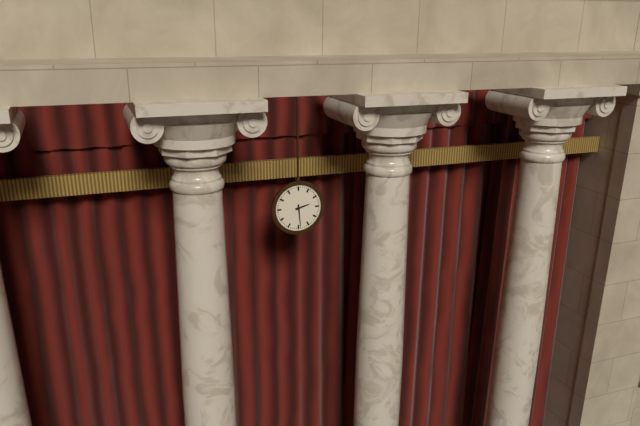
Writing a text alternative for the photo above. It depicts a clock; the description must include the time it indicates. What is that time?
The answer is 2:29
